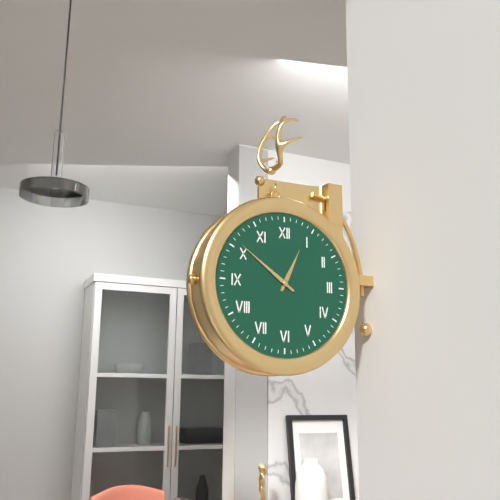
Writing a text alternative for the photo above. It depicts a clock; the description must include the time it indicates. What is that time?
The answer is 12:51
